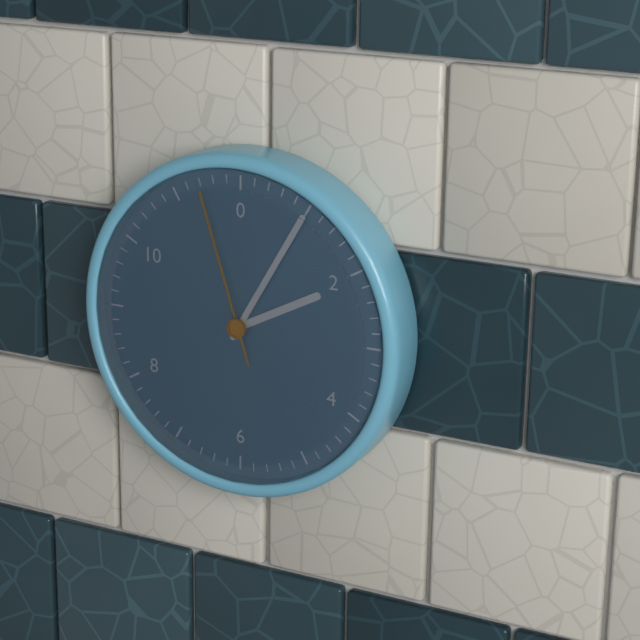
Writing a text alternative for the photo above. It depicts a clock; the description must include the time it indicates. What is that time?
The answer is 2:05:57
